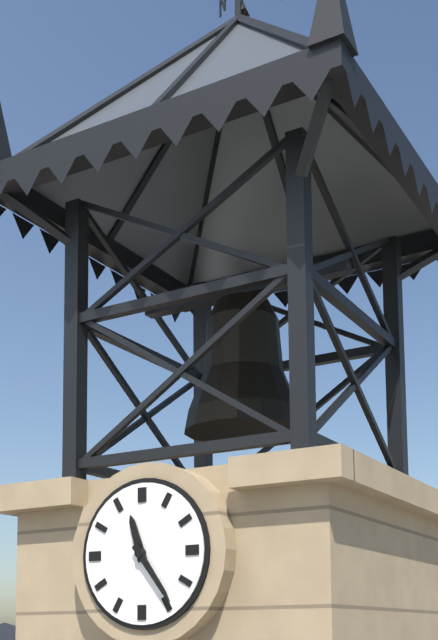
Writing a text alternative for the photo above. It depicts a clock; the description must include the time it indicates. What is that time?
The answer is 11:24
